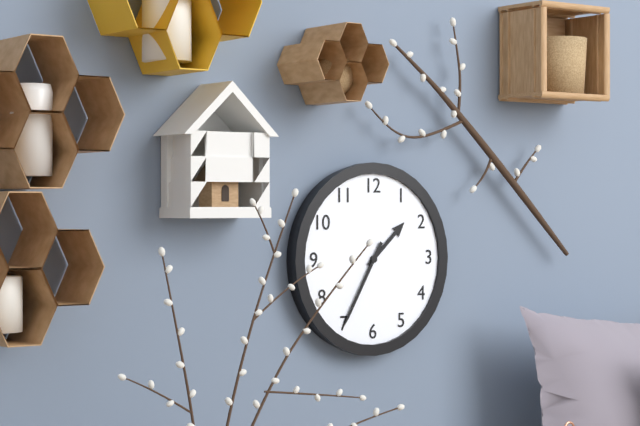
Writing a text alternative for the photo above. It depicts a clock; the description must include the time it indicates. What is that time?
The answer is 1:35
